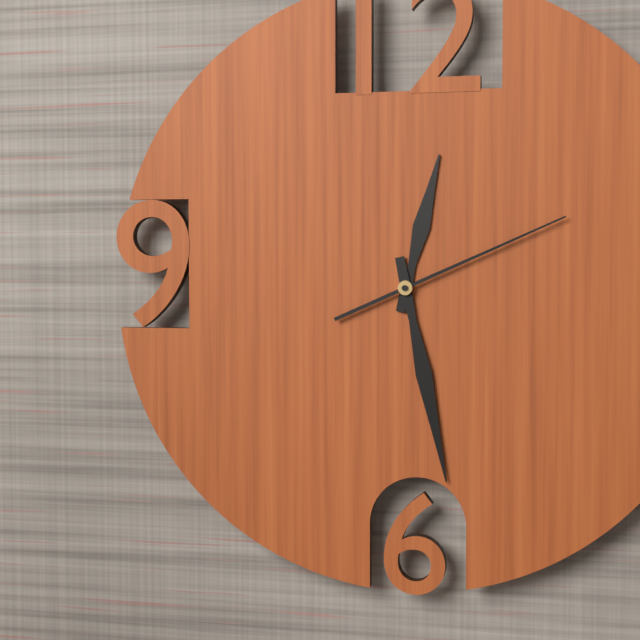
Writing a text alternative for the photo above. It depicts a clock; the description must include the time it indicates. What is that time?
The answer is 12:28:11
